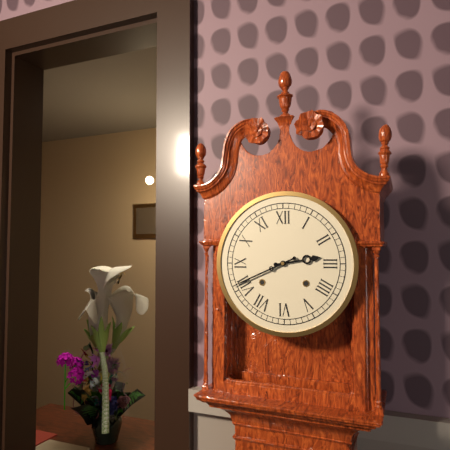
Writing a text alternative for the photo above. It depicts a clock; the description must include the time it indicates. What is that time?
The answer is 2:41
